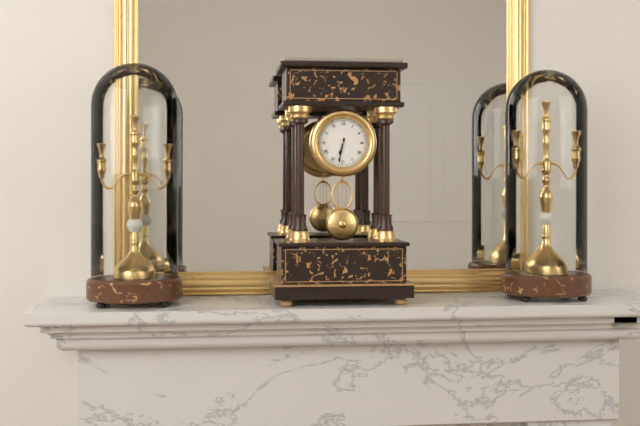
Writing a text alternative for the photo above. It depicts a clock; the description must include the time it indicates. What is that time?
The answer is 6:32
